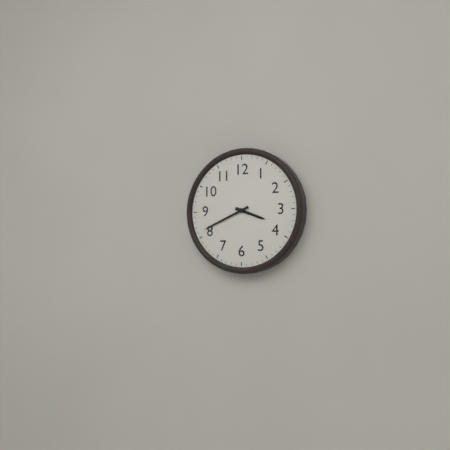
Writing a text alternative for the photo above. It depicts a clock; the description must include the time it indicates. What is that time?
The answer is 3:41
